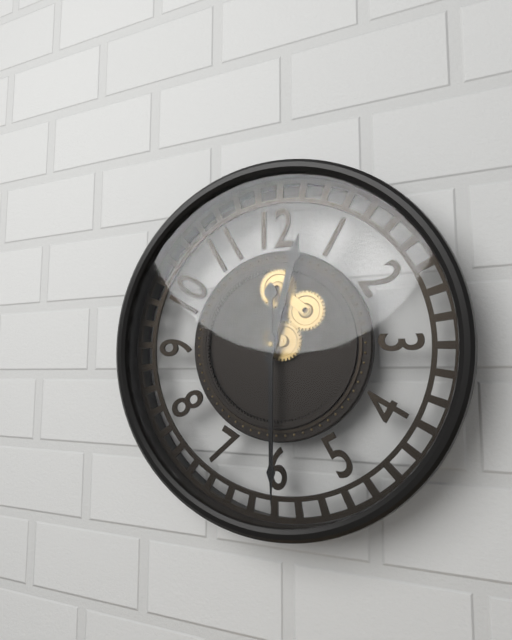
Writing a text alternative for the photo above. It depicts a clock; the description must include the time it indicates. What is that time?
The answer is 12:30
